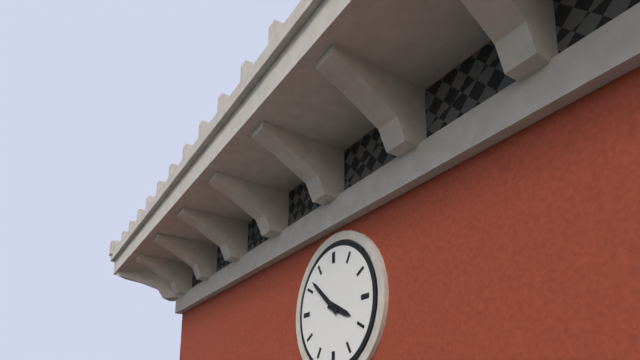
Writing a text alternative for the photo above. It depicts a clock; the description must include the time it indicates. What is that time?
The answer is 3:52
